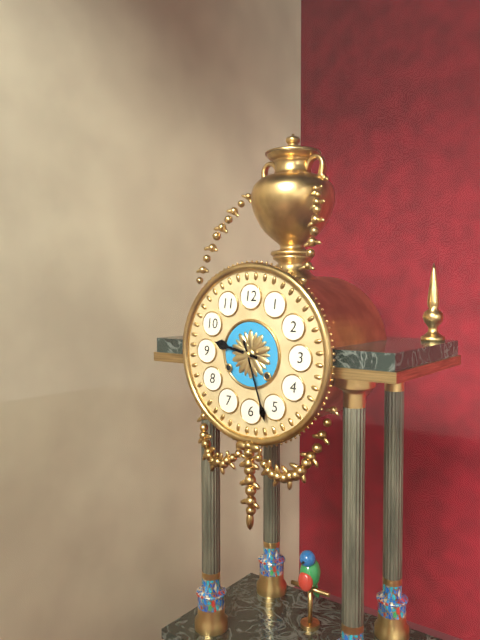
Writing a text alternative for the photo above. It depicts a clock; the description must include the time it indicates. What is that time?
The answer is 9:27
